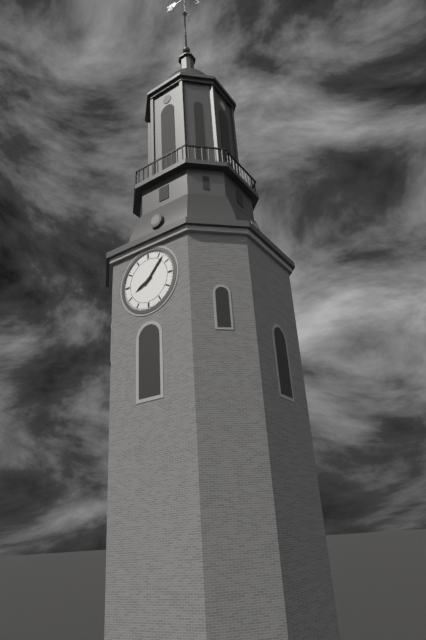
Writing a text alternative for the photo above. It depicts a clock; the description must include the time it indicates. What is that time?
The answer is 8:07
